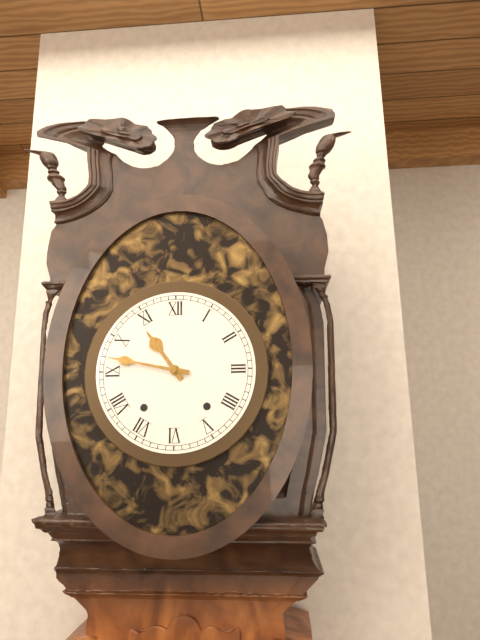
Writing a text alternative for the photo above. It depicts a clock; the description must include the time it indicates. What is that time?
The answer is 10:47
